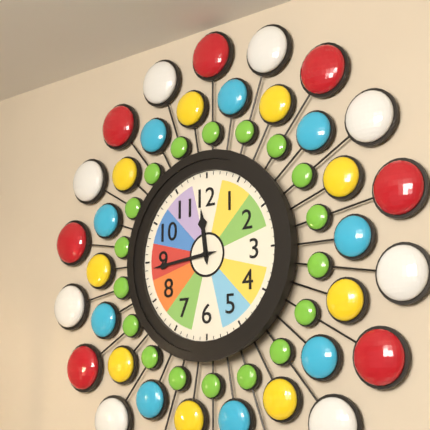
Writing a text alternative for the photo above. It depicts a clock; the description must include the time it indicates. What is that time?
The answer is 11:44
